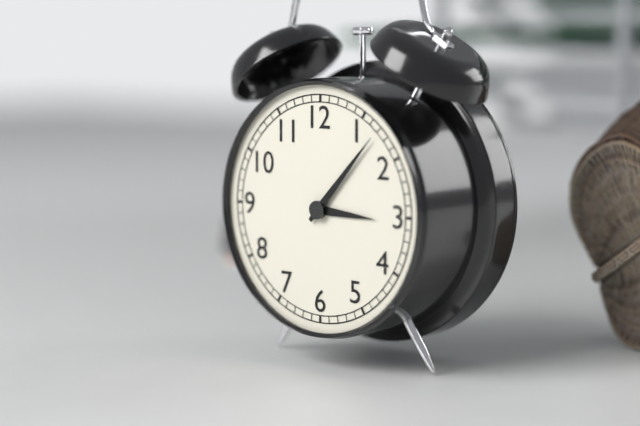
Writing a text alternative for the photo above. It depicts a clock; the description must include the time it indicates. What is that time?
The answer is 3:07
